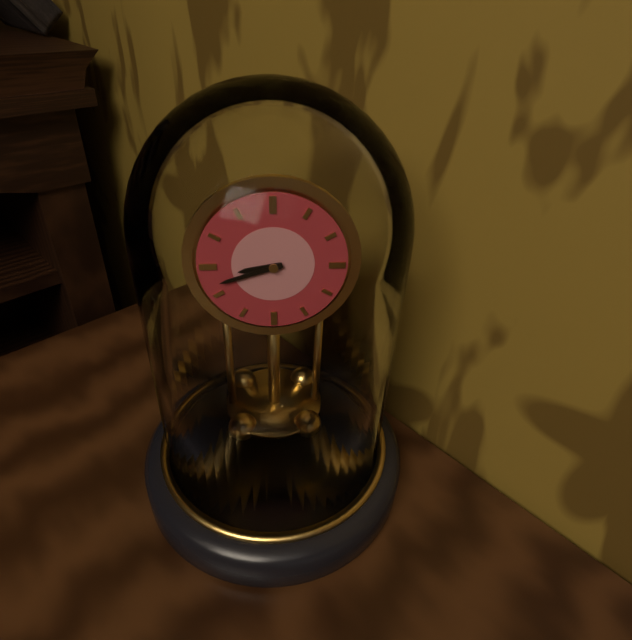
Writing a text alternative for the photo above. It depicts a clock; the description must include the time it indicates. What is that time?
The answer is 8:42
